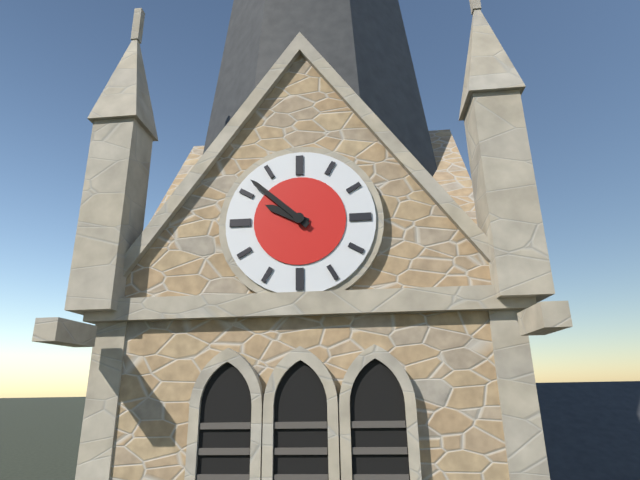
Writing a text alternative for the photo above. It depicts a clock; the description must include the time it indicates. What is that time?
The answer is 9:52
